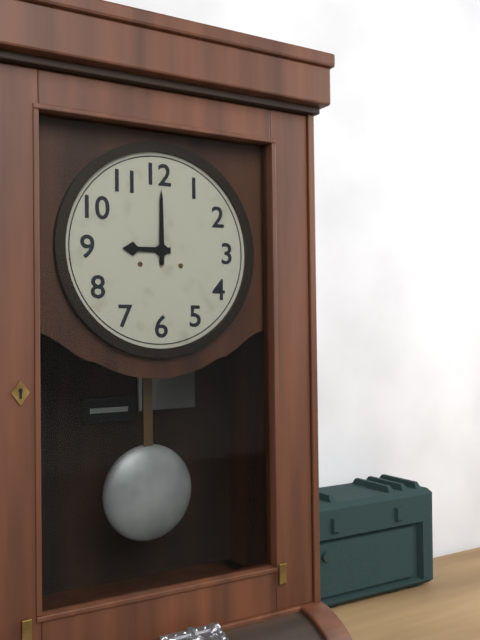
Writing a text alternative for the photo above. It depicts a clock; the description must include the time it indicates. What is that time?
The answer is 9:00
